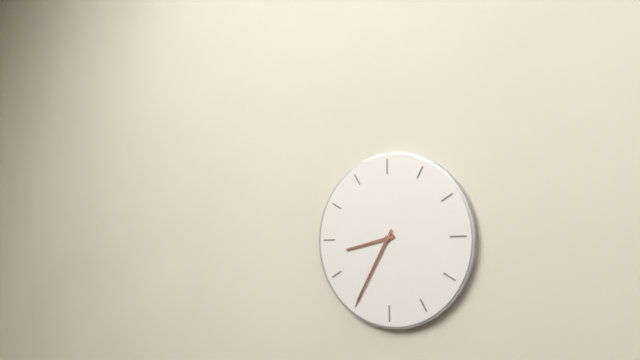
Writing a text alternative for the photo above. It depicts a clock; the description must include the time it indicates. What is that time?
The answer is 8:35
